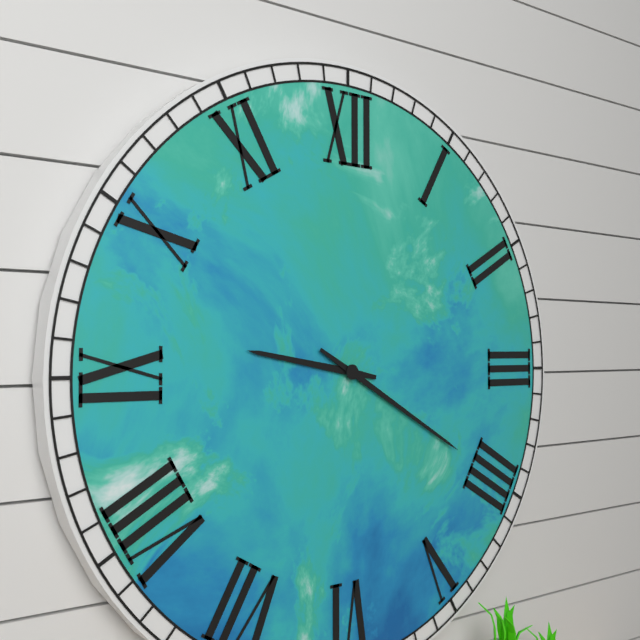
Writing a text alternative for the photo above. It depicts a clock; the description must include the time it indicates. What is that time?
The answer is 9:20
